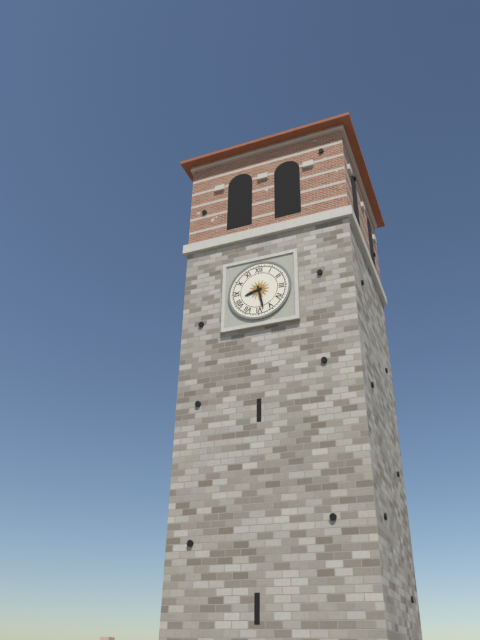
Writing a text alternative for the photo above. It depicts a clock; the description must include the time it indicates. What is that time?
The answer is 8:28
